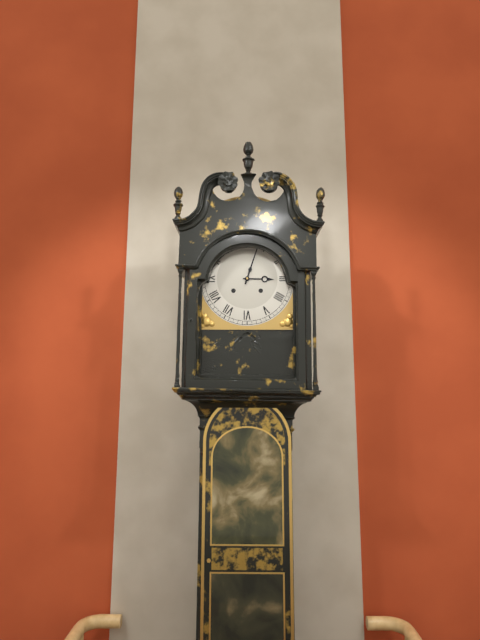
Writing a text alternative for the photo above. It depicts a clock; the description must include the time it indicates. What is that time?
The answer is 3:03
